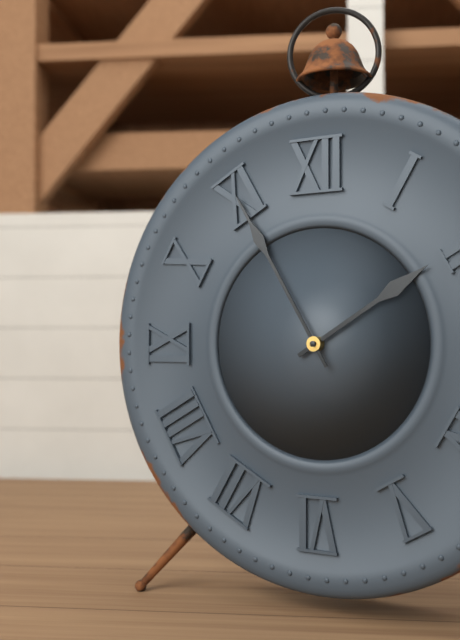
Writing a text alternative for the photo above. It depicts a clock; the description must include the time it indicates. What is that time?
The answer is 1:55
